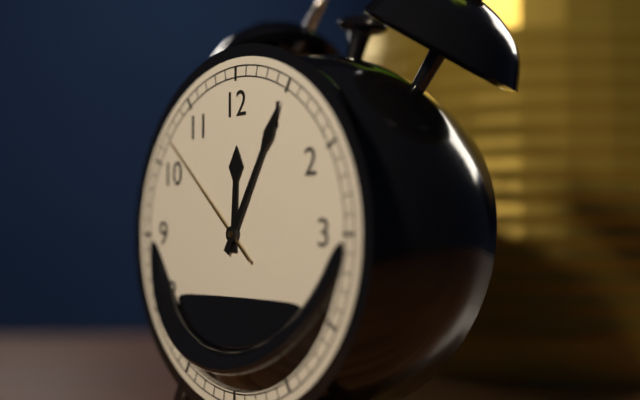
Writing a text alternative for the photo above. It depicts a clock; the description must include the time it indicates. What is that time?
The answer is 12:05:52
